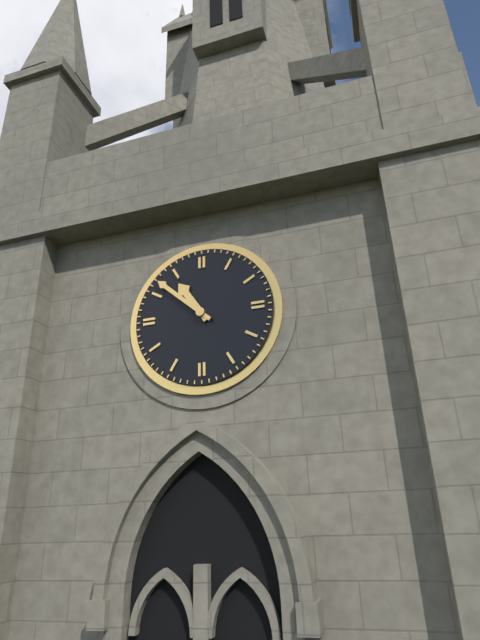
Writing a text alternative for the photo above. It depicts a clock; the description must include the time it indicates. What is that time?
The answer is 10:52
